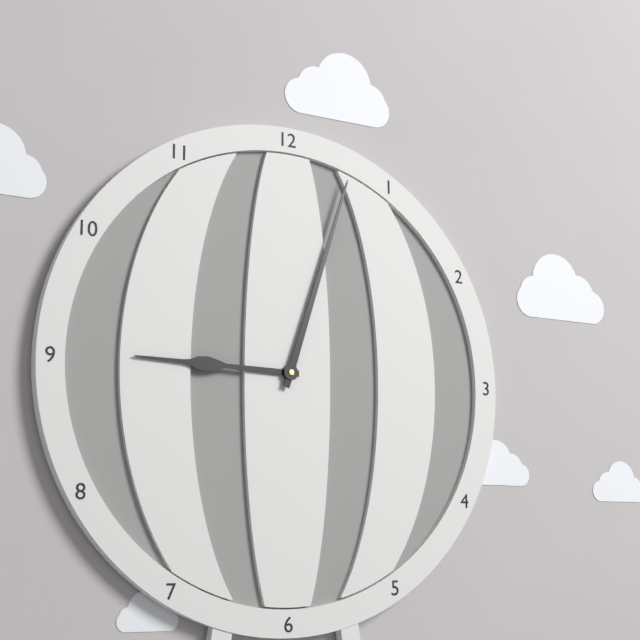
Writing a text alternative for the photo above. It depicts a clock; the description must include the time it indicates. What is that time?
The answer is 9:03
